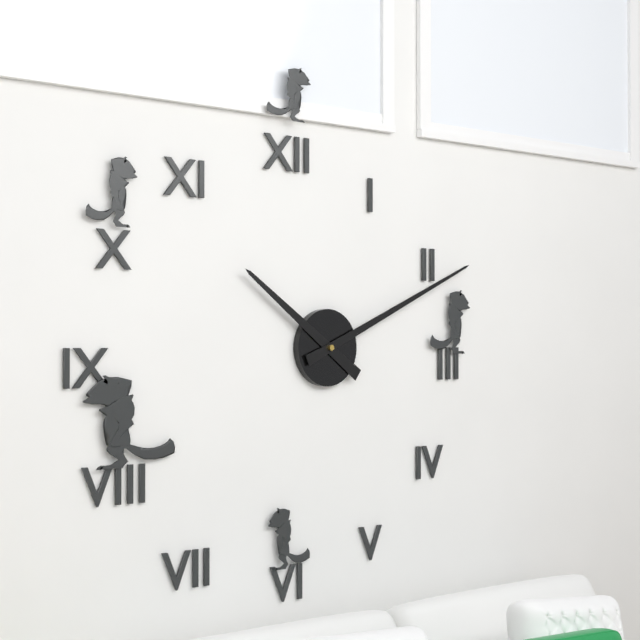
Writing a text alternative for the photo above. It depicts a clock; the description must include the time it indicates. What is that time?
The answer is 10:11
